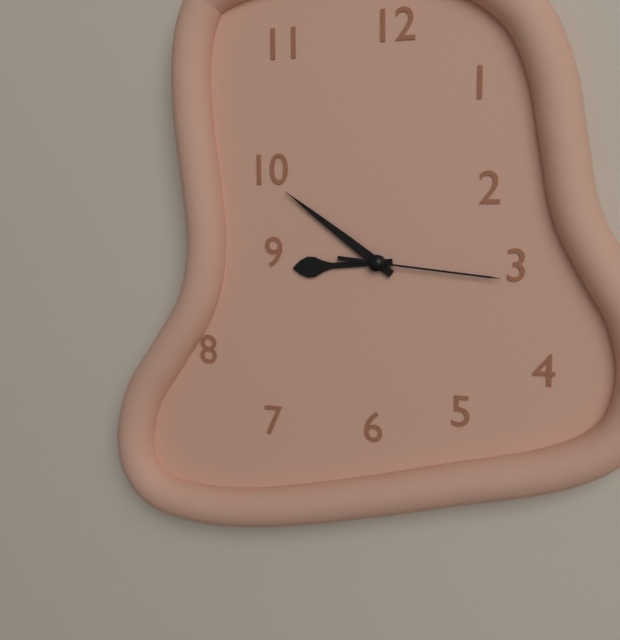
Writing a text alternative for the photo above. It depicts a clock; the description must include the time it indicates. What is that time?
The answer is 8:51:16
